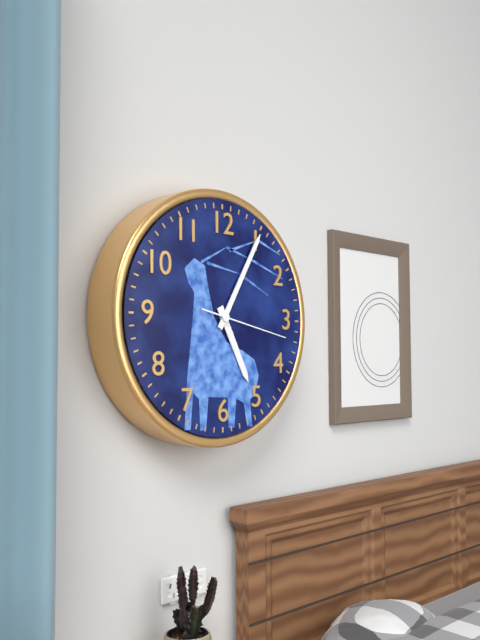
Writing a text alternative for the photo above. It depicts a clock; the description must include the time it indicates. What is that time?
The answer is 5:05:17
